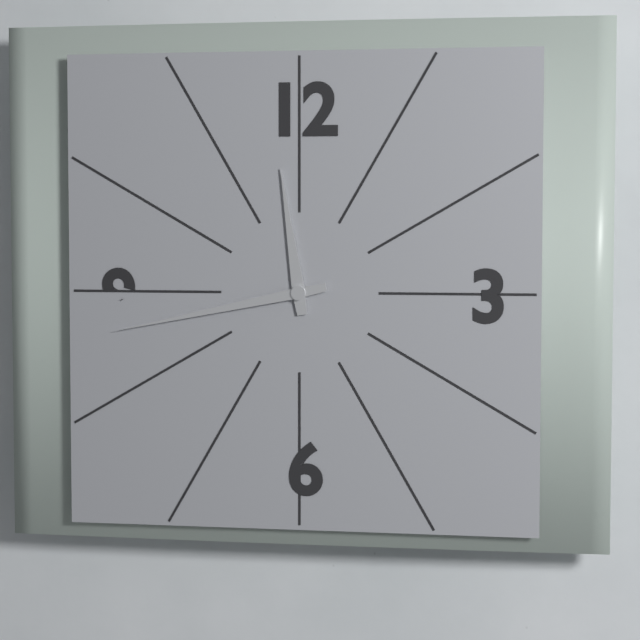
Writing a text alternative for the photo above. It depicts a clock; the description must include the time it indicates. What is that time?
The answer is 11:43
